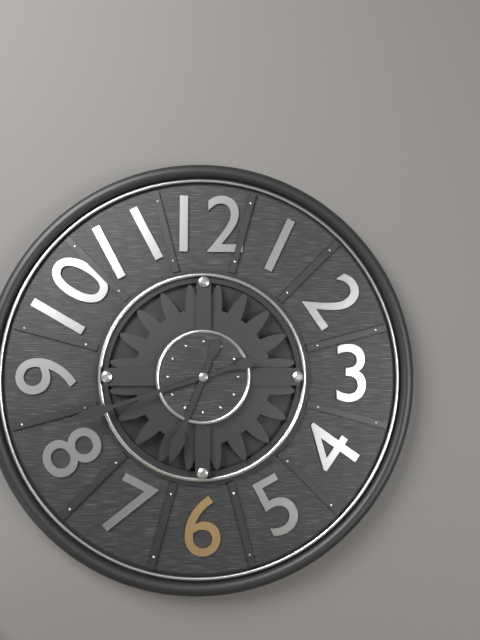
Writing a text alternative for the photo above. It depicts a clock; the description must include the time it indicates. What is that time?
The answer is 6:42
